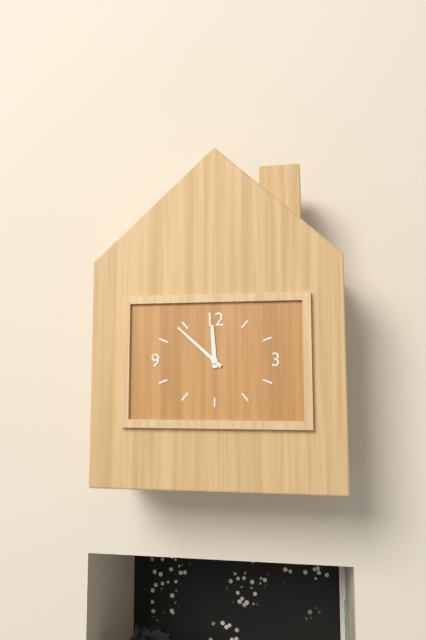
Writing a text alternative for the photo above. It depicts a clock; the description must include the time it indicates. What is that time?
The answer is 11:52
